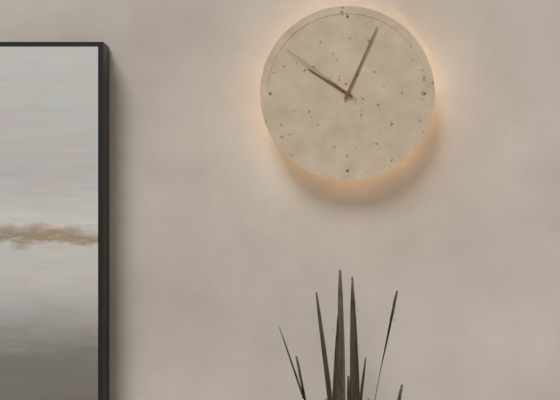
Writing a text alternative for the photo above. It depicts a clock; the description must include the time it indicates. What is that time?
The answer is 10:04:51
